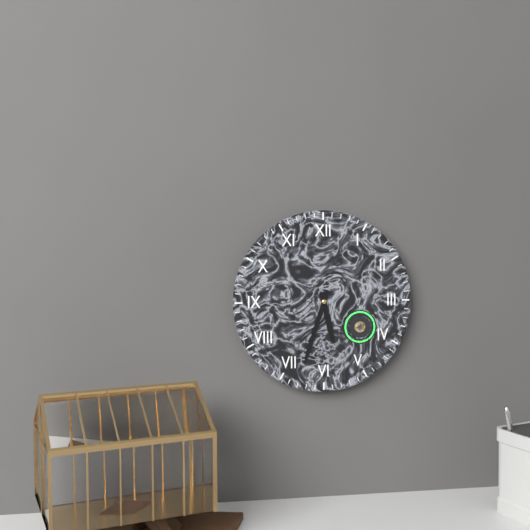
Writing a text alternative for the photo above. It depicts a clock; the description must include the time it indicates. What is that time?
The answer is 5:33
